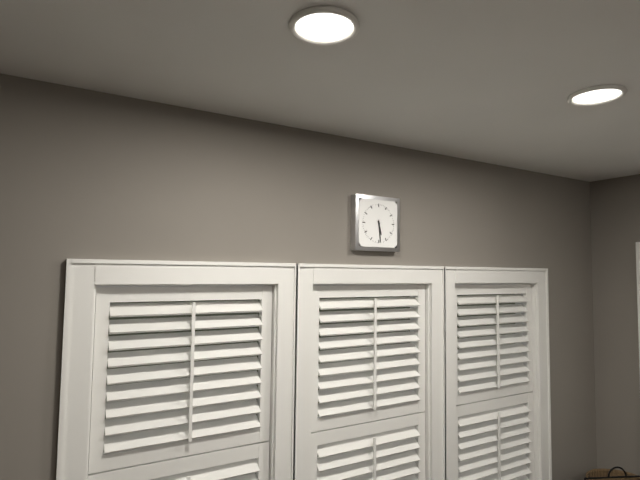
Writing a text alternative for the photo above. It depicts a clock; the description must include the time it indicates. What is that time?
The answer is 5:29
